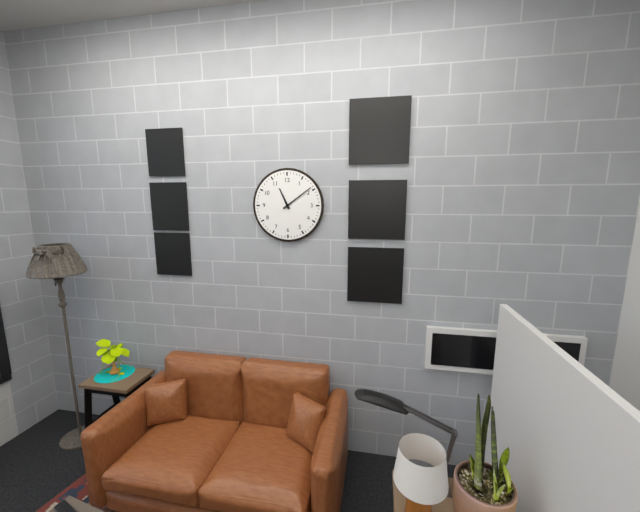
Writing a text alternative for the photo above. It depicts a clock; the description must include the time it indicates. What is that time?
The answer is 11:09
